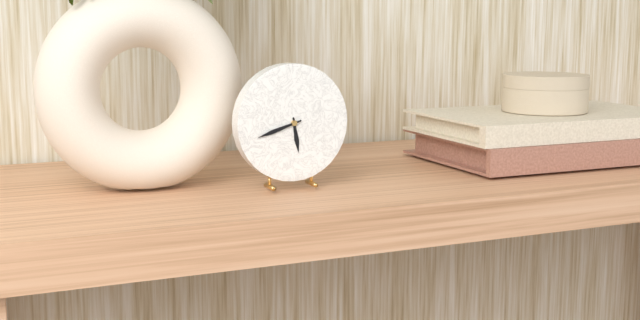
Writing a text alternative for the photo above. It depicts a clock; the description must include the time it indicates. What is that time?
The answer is 5:42
